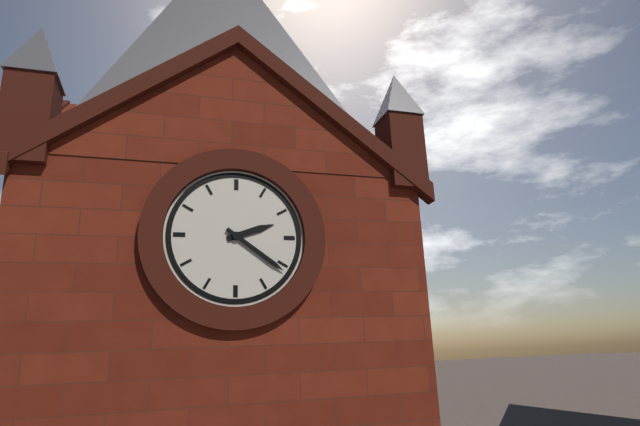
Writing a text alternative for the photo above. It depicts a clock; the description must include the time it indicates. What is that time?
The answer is 2:21
